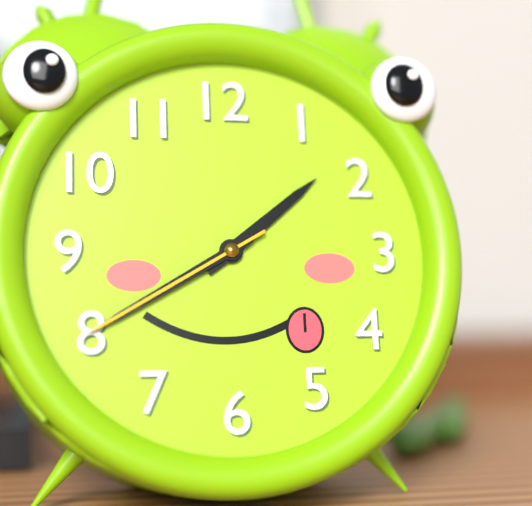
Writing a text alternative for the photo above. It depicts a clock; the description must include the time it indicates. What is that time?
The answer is 1:40:40
